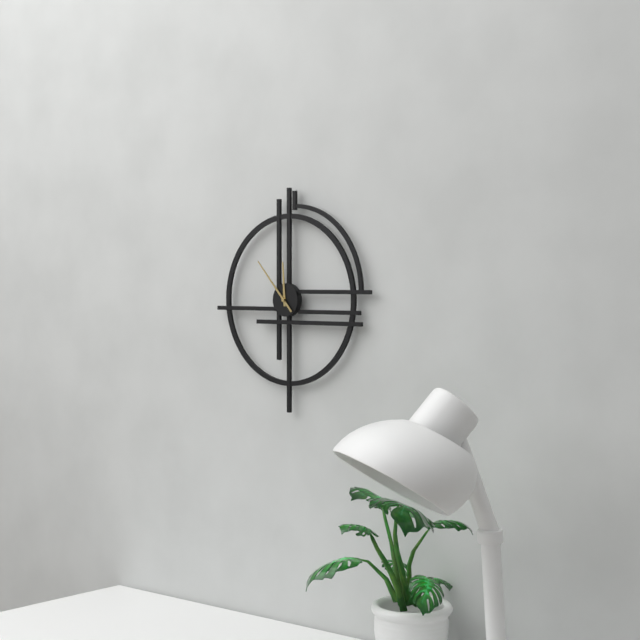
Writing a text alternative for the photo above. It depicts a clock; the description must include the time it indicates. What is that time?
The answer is 11:53
